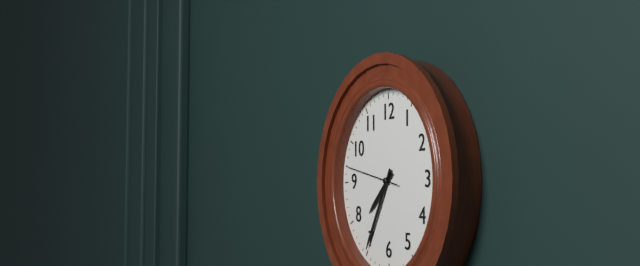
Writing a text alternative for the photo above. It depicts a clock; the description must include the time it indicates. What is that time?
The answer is 7:35:47
